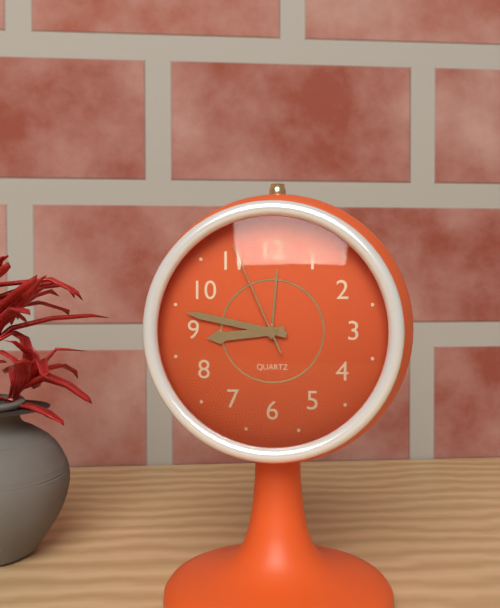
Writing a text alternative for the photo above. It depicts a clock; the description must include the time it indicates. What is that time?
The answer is 8:47:56
